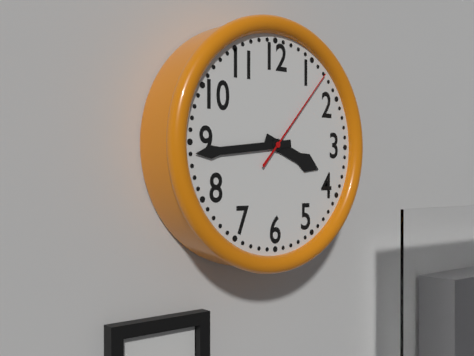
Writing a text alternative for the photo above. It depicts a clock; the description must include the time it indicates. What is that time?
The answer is 3:44:07
